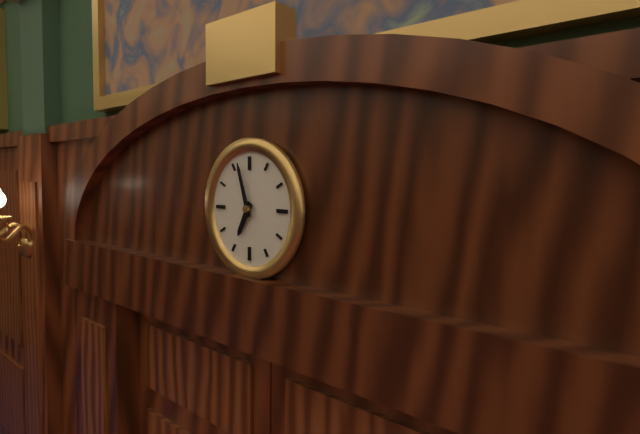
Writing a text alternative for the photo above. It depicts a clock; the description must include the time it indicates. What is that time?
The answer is 6:57
